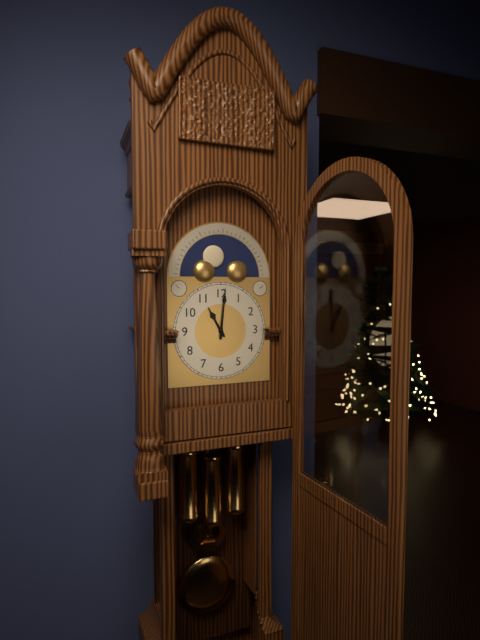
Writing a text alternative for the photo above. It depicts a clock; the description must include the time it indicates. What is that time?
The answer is 11:01
